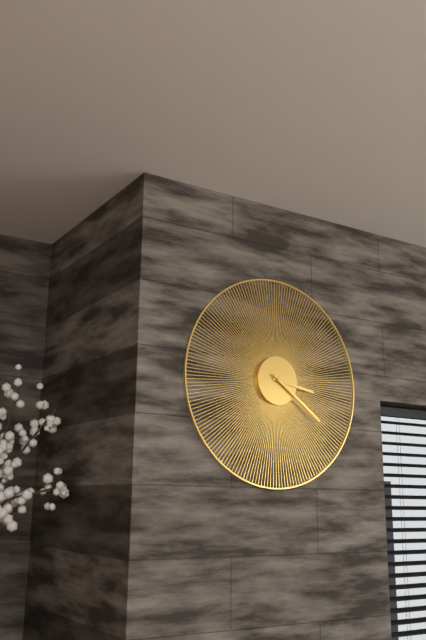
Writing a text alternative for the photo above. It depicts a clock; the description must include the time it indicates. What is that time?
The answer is 3:21
